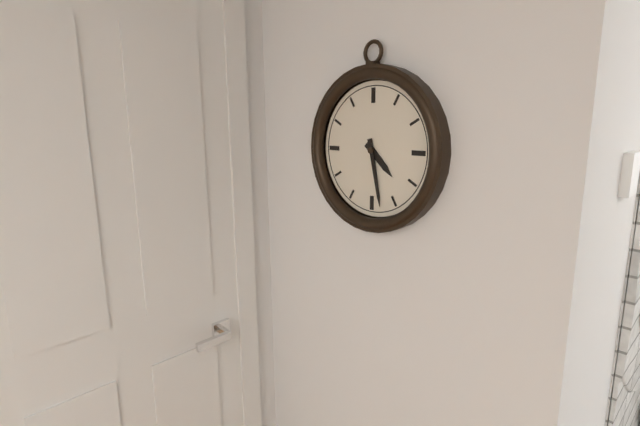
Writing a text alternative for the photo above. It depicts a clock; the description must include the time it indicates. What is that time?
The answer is 4:28
